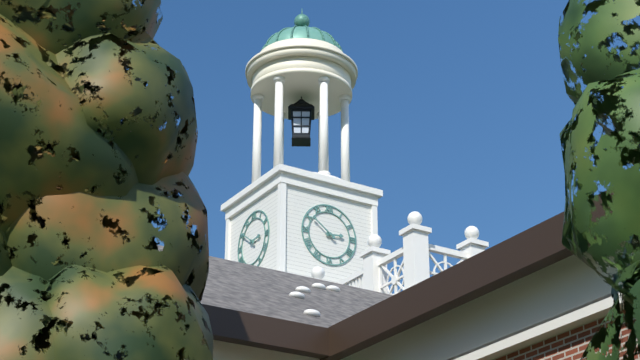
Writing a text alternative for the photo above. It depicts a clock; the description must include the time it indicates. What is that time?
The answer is 2:51
